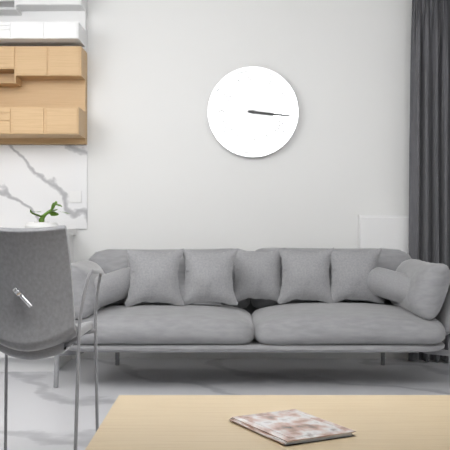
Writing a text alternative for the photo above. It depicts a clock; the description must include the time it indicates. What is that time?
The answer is 3:16
